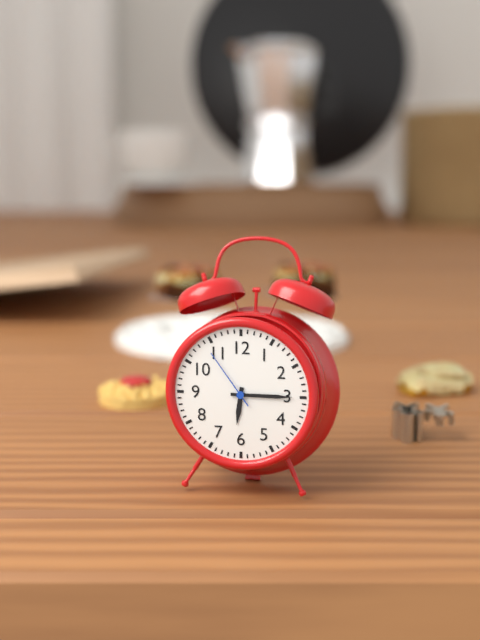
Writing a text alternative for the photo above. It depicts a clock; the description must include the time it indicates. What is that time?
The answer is 6:15:54
